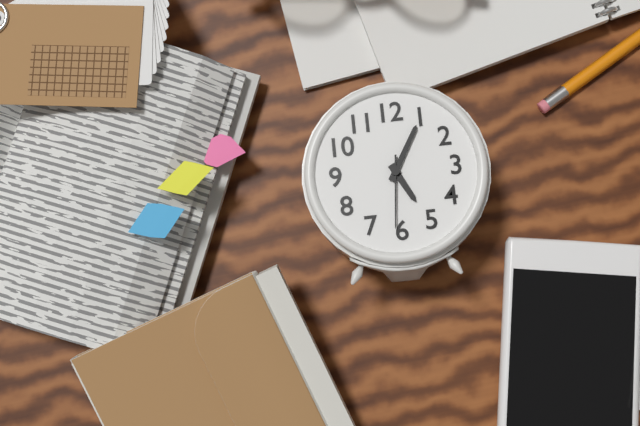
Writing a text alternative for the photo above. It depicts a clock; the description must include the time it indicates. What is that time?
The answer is 5:05:31
